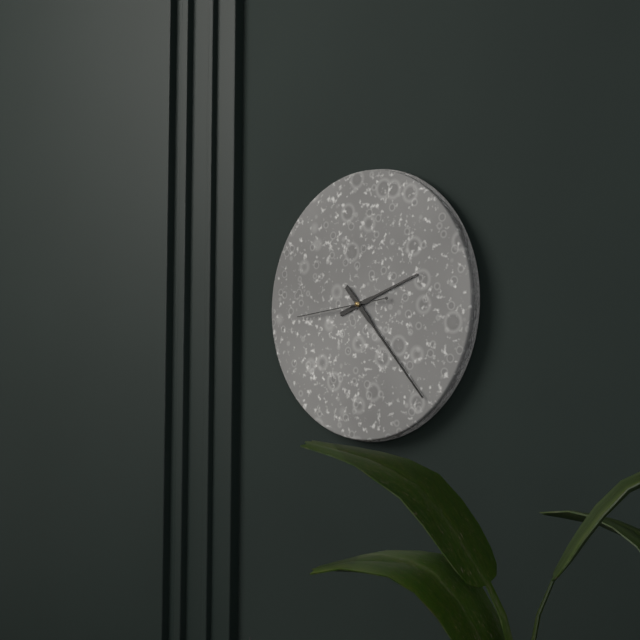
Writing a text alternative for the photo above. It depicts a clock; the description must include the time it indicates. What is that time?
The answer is 2:23:44
